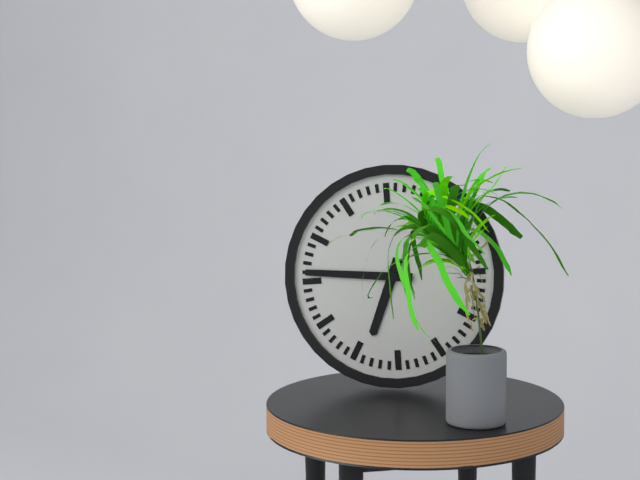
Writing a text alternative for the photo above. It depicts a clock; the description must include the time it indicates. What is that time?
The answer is 6:46
